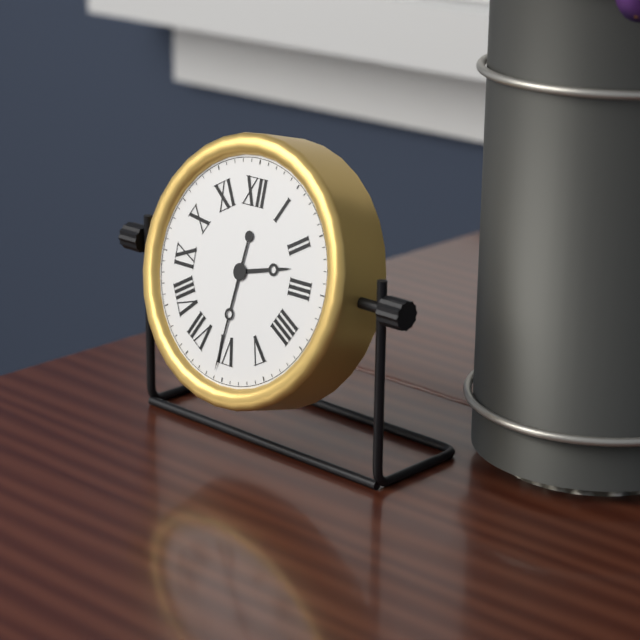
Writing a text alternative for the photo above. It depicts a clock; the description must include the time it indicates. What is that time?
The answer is 2:31
